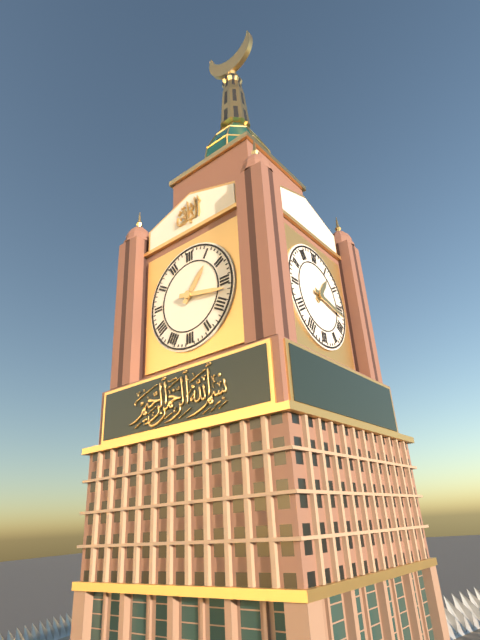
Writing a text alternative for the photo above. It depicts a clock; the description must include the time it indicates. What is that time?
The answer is 1:17
